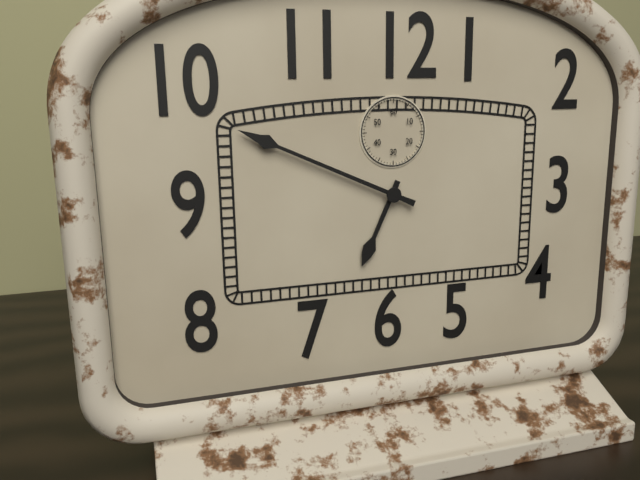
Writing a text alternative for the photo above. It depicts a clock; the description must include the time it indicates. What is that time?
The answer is 6:49
